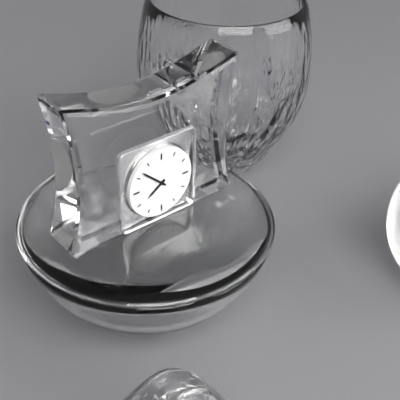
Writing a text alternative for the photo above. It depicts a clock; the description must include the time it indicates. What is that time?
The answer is 7:52
